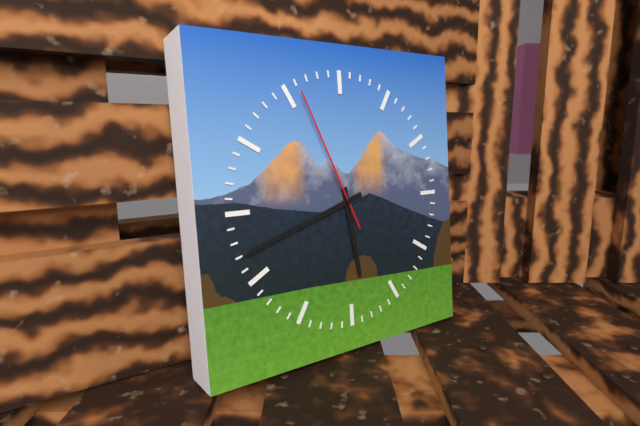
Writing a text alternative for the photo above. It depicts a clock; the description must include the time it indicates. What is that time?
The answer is 5:42:56
